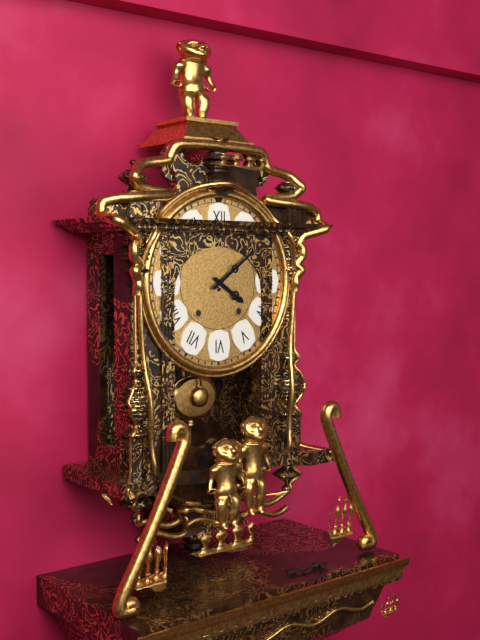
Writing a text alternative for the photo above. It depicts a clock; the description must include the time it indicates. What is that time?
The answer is 4:09
